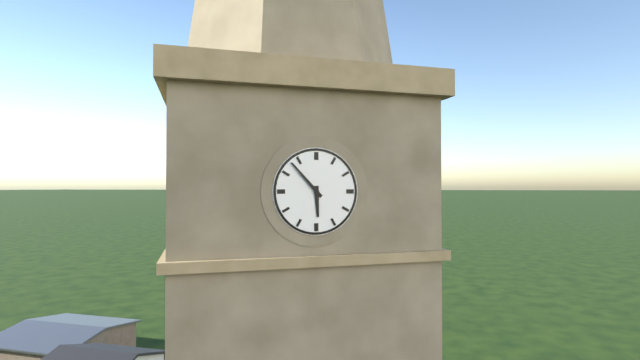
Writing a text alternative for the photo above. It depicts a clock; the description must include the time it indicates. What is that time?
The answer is 5:53
